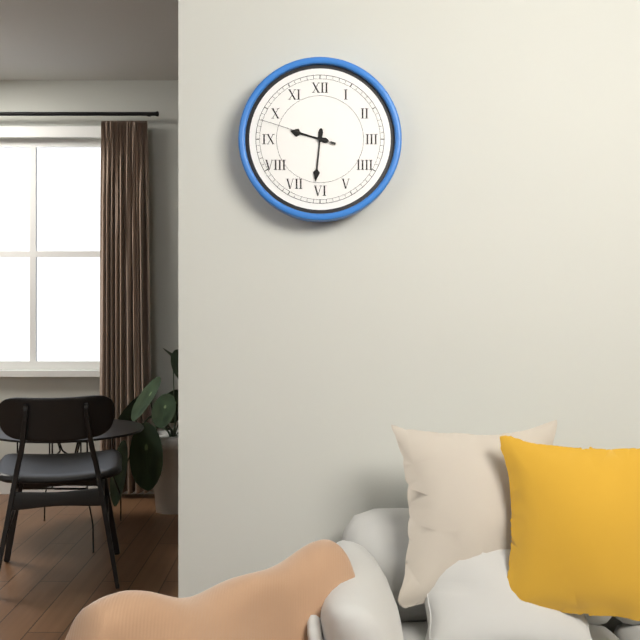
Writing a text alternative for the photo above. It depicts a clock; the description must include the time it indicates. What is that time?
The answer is 9:31:48
